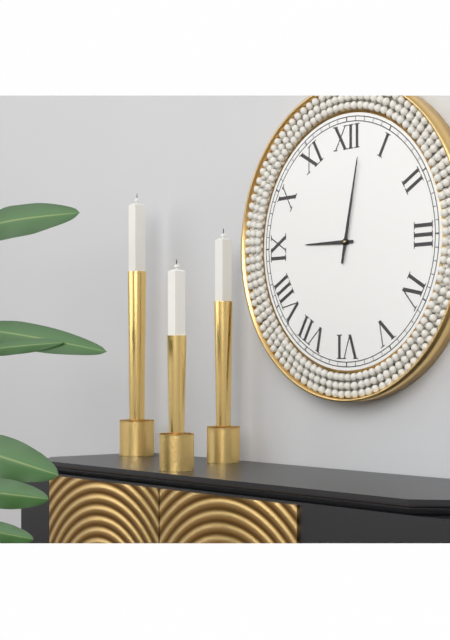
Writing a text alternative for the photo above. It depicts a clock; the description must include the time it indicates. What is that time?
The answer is 9:02
